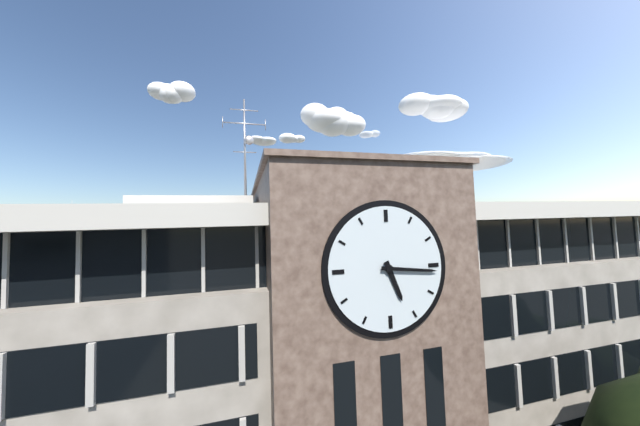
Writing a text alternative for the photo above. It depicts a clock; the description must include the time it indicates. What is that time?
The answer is 5:16
